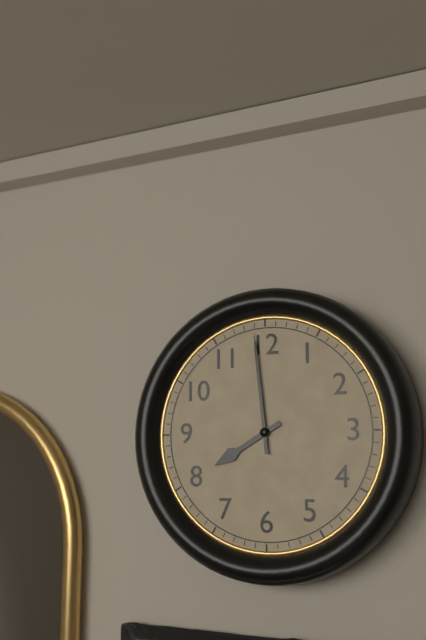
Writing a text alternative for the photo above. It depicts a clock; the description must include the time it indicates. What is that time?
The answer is 7:59
